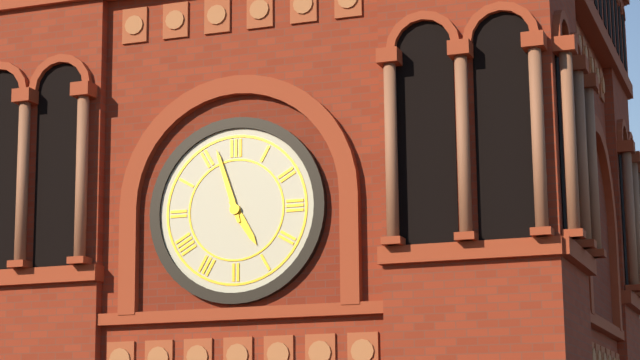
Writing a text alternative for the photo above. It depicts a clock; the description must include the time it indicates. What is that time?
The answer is 4:57
